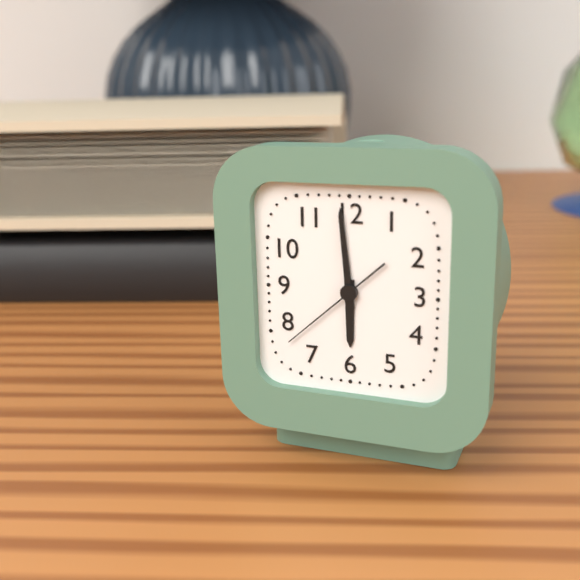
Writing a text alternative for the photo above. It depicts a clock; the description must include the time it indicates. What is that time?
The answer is 5:59:38
